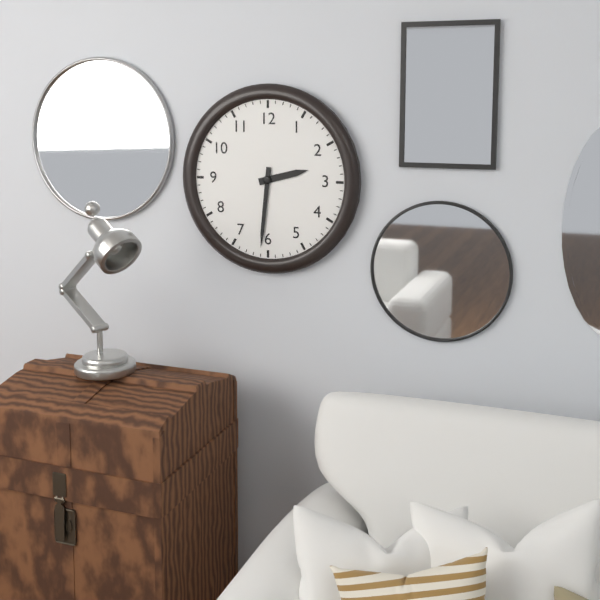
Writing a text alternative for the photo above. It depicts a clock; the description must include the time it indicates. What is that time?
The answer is 2:31
